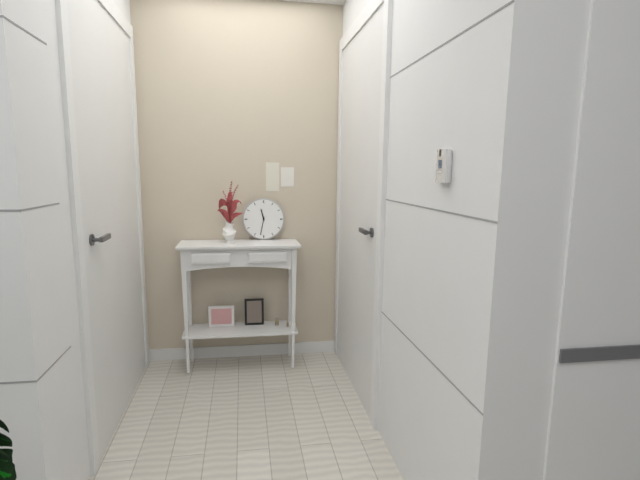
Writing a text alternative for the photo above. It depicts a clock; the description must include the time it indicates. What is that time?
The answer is 11:32
